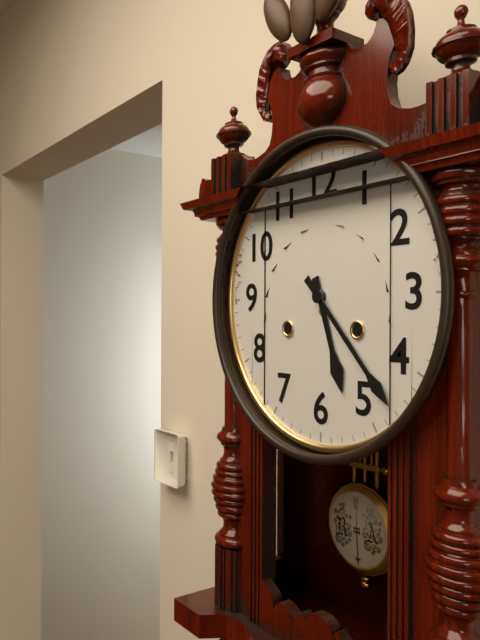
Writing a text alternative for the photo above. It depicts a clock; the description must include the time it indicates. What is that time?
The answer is 5:23
